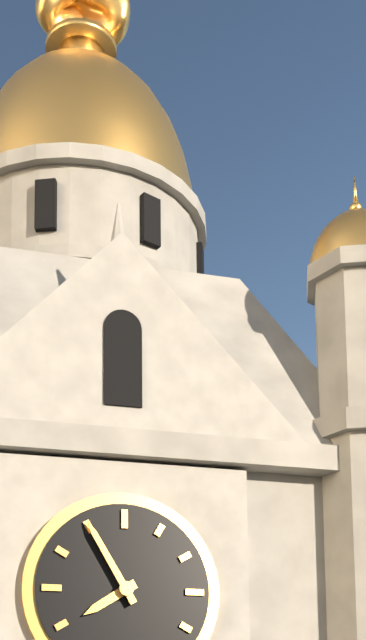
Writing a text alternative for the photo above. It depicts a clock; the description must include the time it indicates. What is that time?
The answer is 7:55
